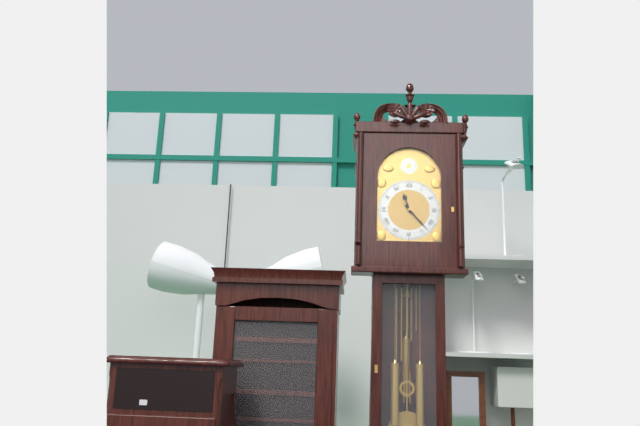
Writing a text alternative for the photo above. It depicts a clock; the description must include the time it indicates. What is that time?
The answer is 11:23
